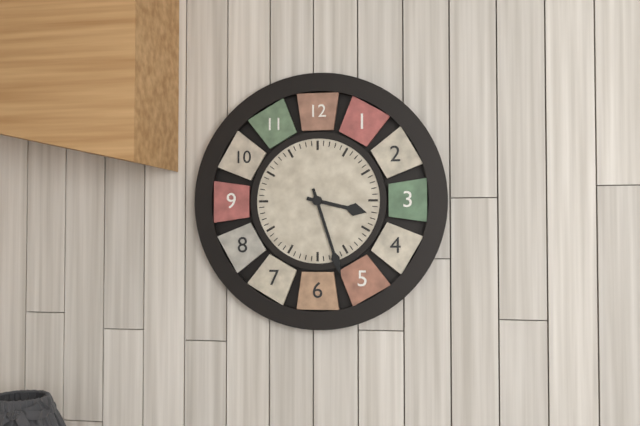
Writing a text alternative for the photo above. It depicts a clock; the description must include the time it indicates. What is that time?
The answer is 3:27
